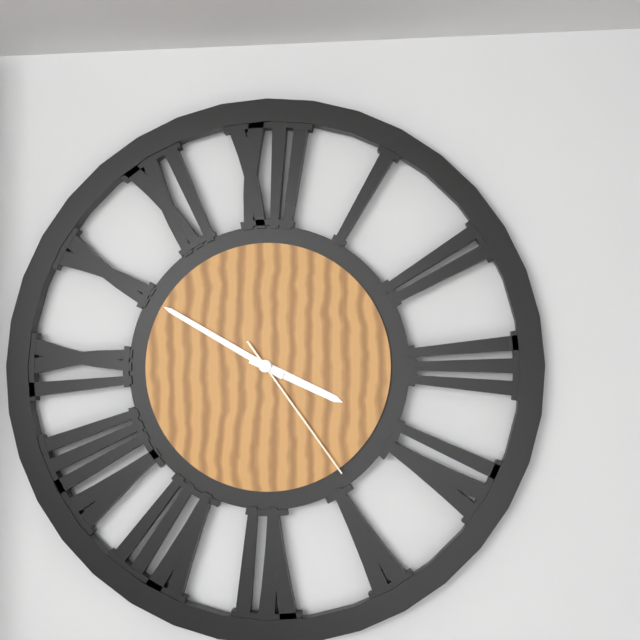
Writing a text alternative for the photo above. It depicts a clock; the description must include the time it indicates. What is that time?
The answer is 3:50:24
